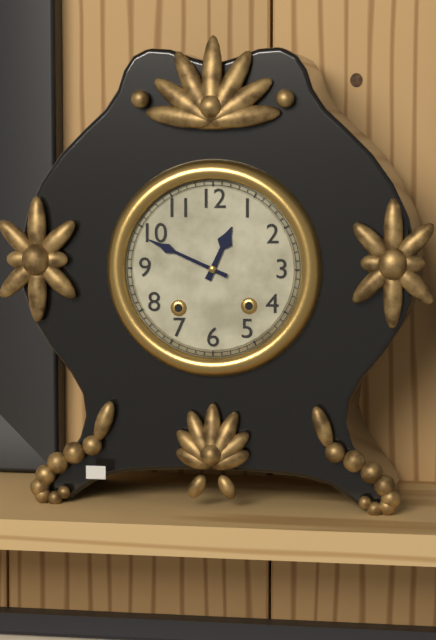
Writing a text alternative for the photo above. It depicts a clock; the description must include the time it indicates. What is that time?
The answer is 12:49
